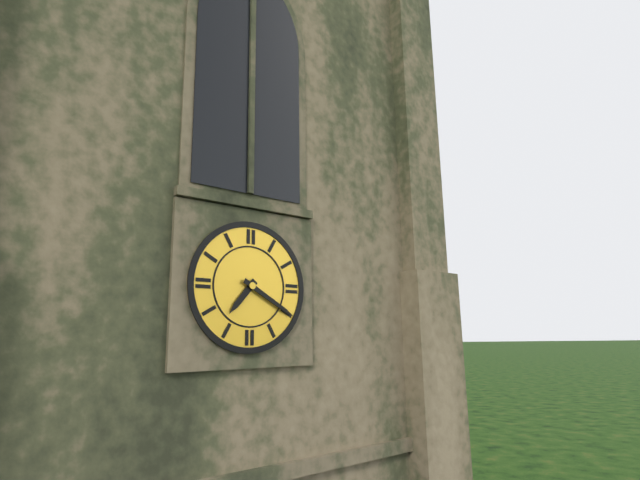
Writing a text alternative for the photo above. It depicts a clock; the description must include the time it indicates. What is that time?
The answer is 7:20
